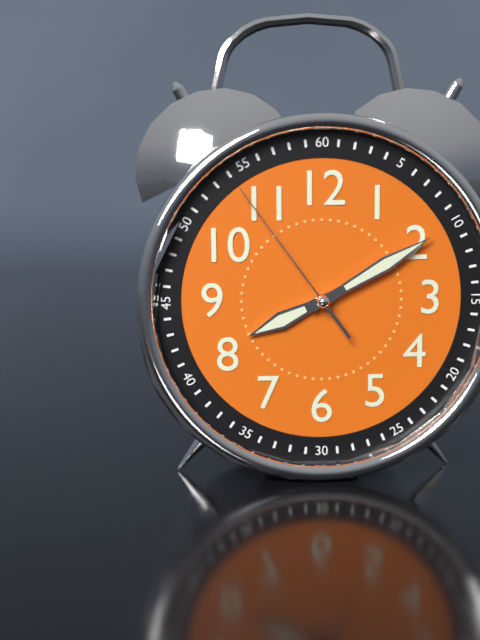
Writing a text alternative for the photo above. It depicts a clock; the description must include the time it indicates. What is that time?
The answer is 8:10:54
